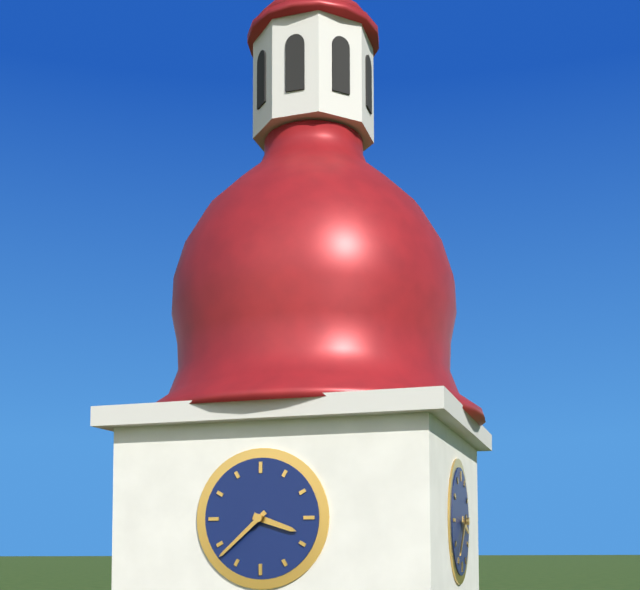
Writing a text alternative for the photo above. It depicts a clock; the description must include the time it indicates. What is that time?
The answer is 3:38
